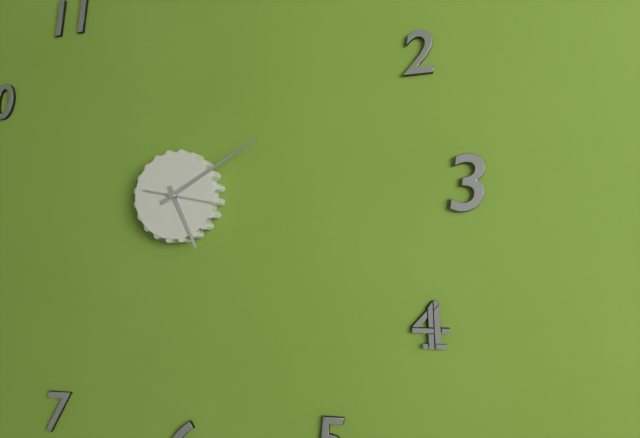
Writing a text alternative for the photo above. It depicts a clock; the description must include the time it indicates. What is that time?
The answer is 5:10:17
